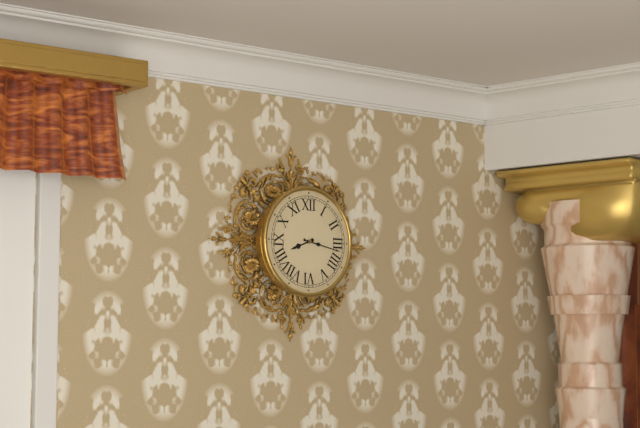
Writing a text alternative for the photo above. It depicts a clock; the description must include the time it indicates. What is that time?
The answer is 8:17
